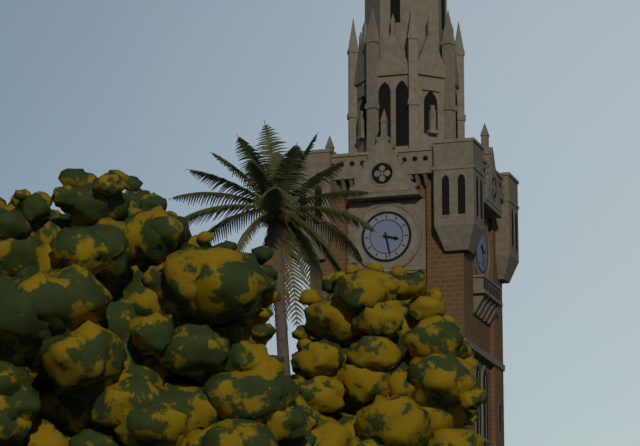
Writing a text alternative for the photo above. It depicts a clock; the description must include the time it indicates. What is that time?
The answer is 3:28
